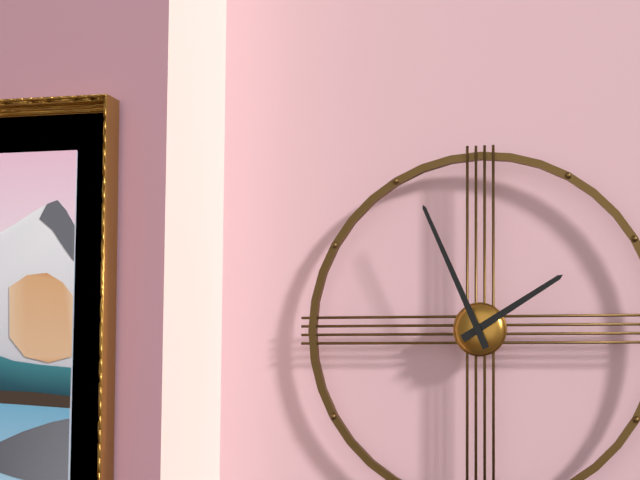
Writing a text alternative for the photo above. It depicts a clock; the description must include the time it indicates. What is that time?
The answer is 1:56
